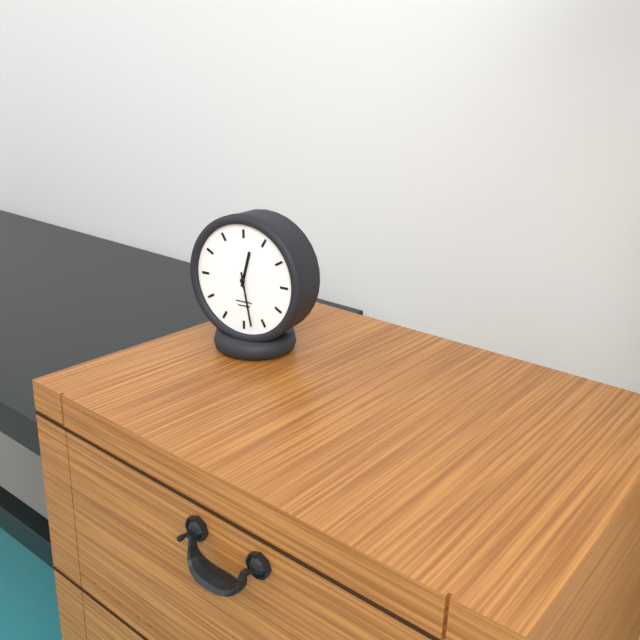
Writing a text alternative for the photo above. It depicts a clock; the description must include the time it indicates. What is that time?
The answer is 12:28
